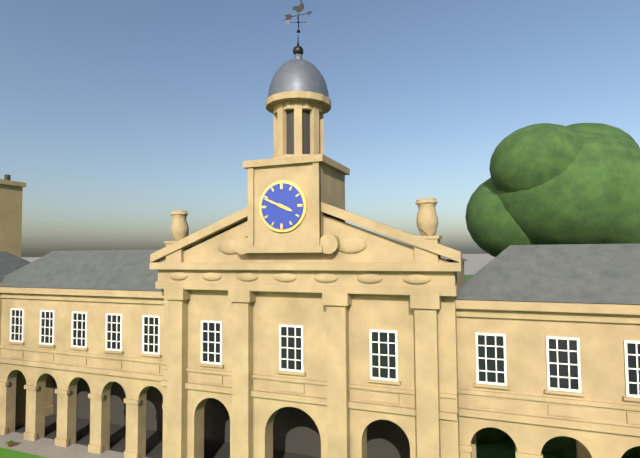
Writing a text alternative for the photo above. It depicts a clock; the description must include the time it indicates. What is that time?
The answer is 3:49
